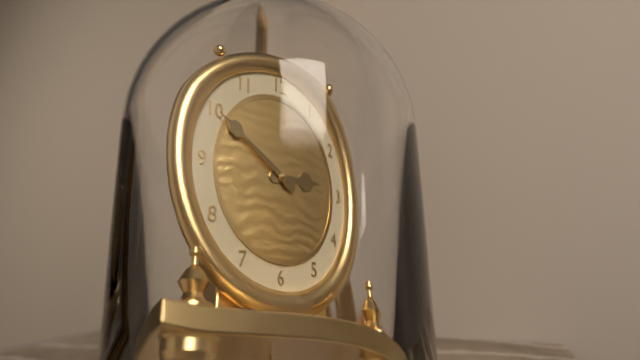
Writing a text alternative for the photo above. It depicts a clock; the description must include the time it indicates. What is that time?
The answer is 2:50
